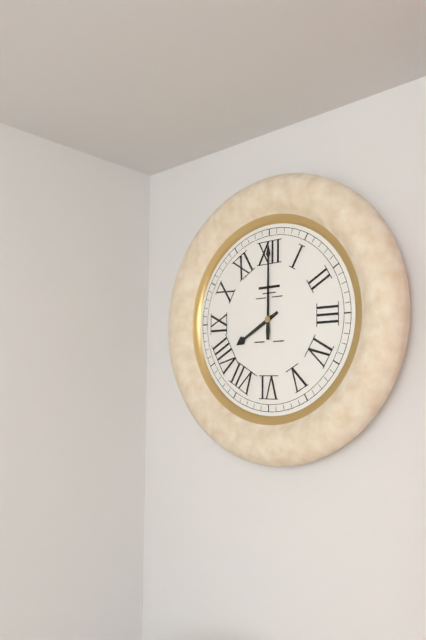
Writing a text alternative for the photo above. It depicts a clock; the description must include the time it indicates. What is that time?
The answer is 8:00
